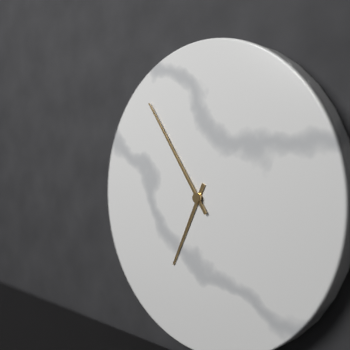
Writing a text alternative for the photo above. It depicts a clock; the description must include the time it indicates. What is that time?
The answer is 6:54
